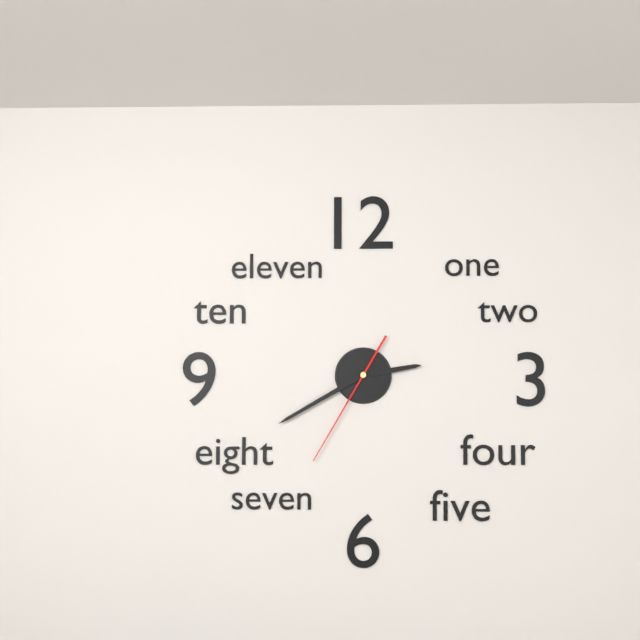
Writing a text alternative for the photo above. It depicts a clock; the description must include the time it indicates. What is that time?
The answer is 2:40:35
